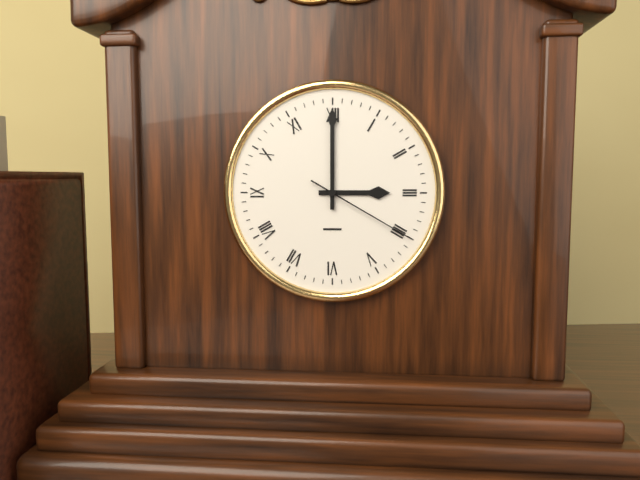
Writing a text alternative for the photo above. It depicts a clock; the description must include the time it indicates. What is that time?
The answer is 3:00:20
